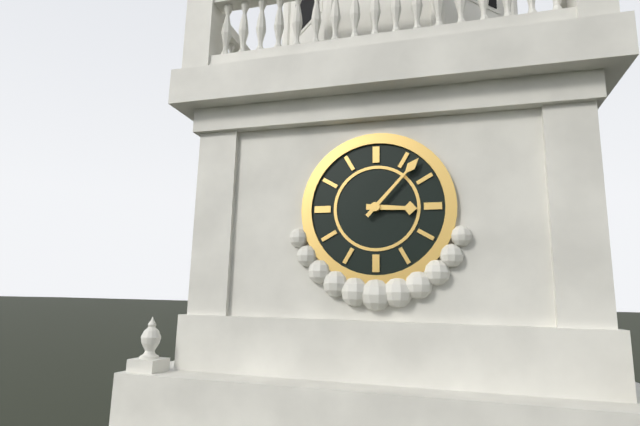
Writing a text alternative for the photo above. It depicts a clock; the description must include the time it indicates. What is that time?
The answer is 3:07
